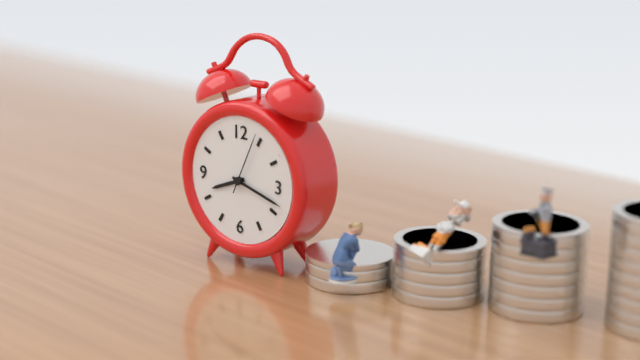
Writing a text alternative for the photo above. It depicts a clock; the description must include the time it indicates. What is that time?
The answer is 8:18:04
